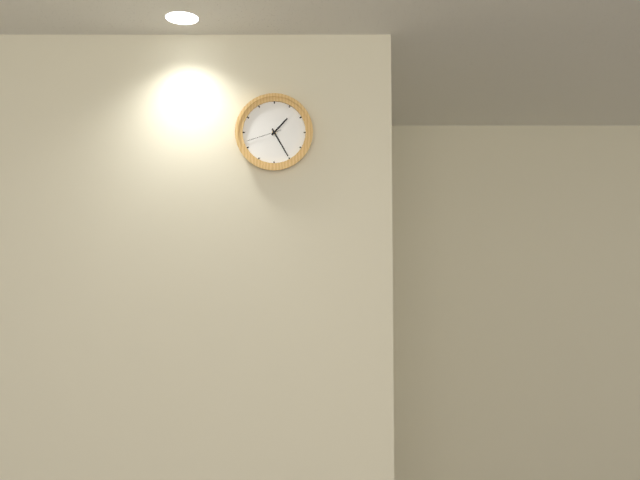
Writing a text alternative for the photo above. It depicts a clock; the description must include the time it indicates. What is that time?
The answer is 1:25
